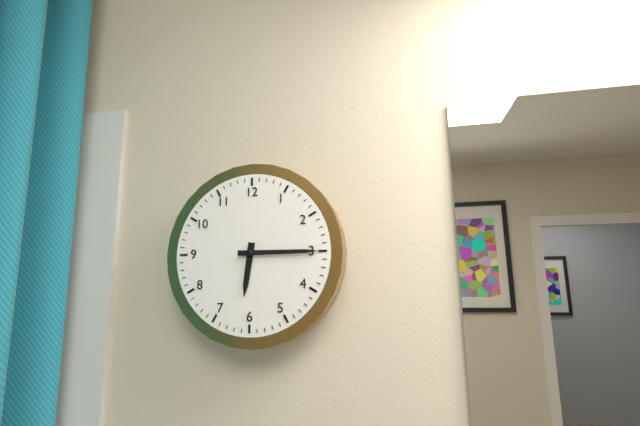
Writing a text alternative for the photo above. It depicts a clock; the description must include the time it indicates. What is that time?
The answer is 6:15
